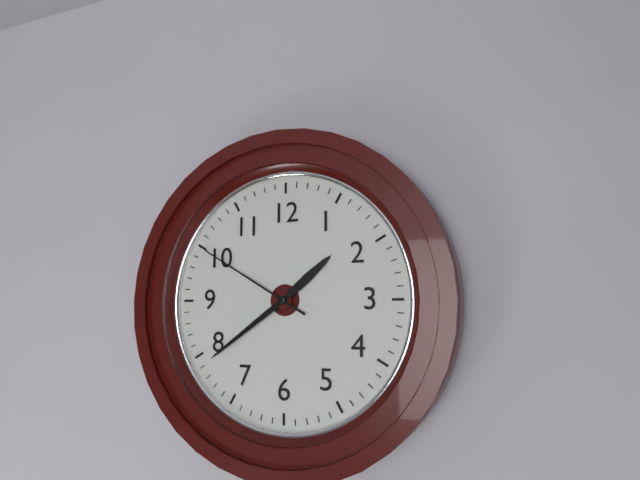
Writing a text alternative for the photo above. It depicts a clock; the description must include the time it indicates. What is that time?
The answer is 1:39:50
